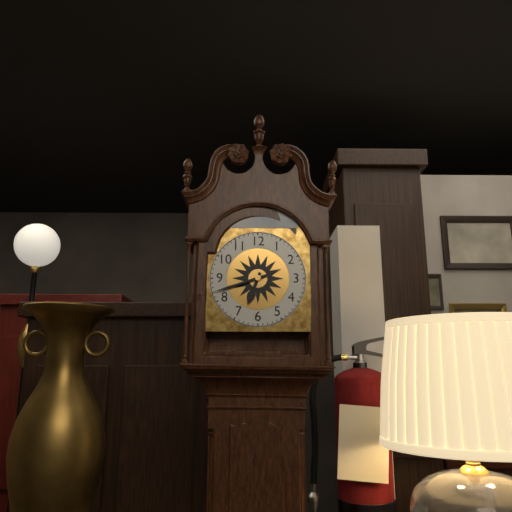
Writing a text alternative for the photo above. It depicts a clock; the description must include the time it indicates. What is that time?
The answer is 6:42
